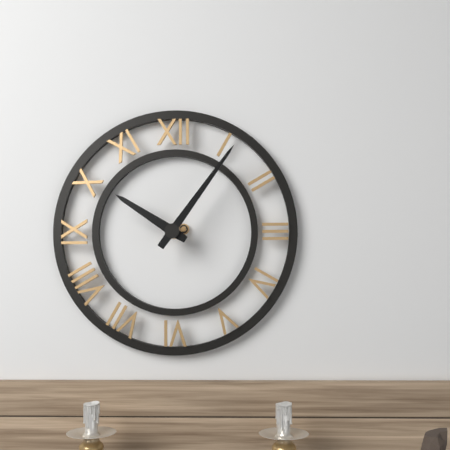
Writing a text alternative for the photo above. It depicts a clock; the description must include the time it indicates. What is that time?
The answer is 10:06
